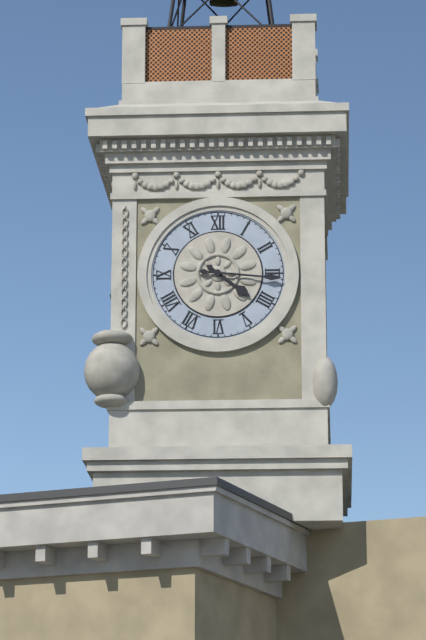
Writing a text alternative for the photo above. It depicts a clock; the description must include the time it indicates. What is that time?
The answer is 4:16
